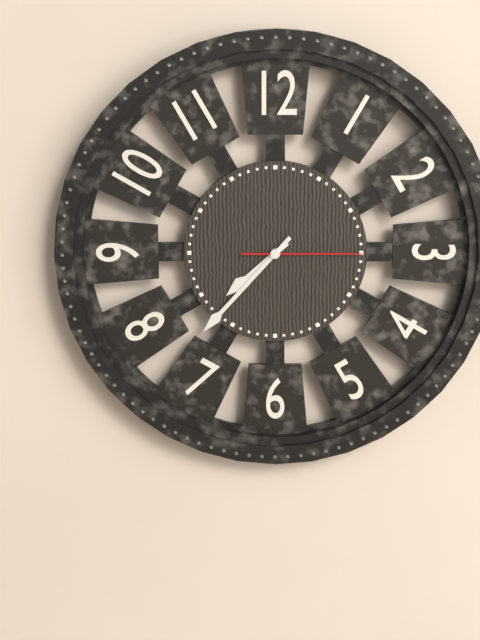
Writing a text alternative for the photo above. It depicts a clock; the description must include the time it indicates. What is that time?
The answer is 7:37:15
